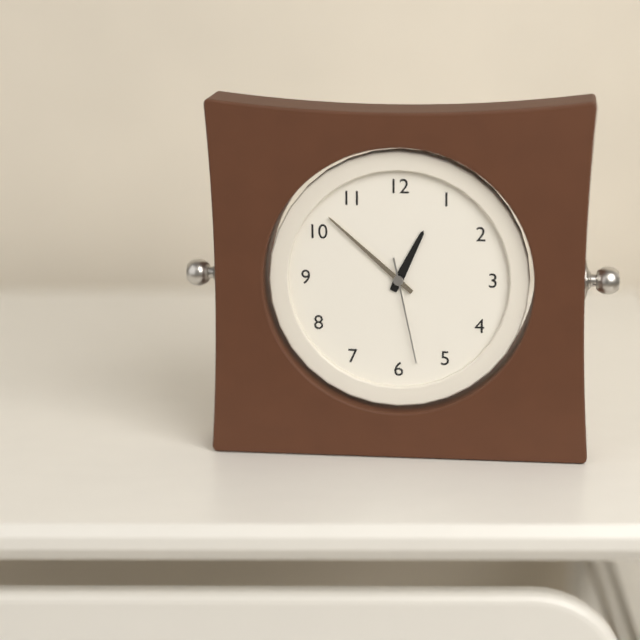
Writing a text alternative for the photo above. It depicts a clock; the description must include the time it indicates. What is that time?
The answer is 12:52:28
